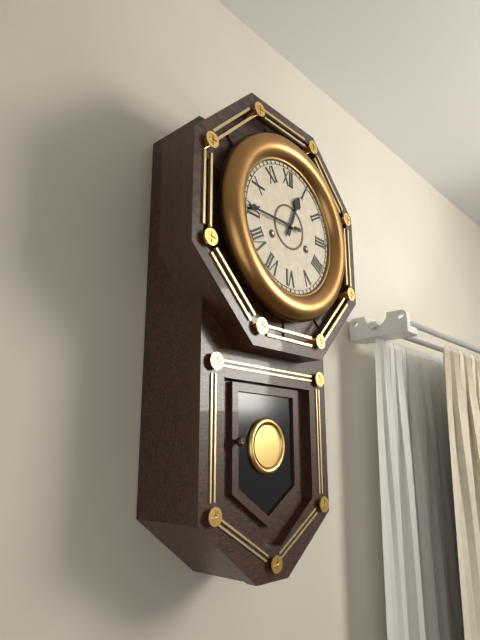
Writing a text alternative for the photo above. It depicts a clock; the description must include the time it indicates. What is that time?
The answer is 12:45
